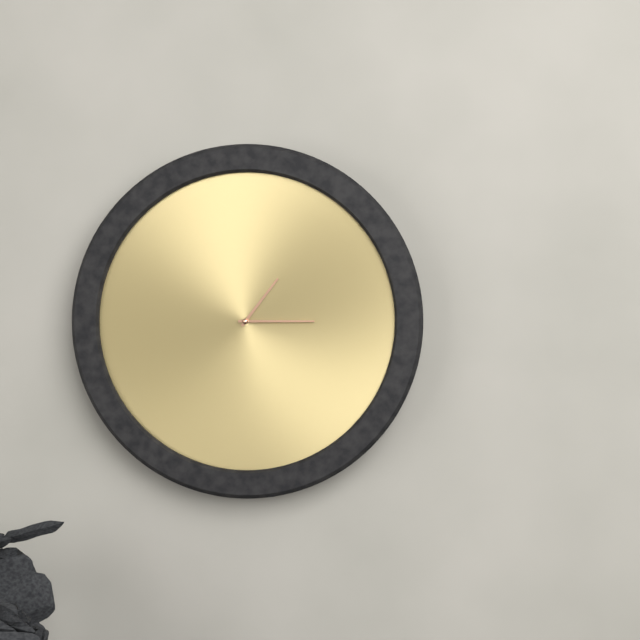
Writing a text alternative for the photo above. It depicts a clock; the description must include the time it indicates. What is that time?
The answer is 1:15
